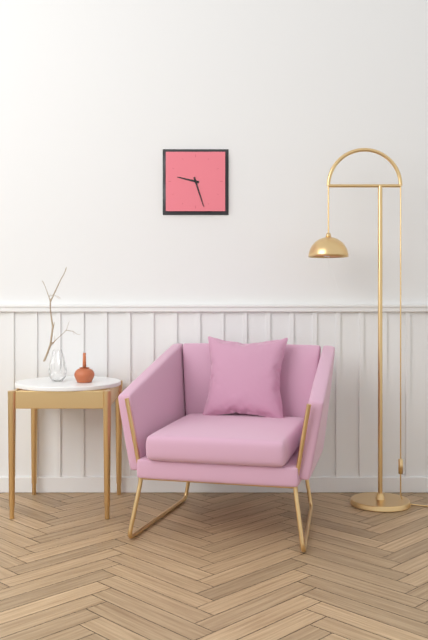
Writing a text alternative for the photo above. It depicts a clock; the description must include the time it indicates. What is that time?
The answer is 9:27
